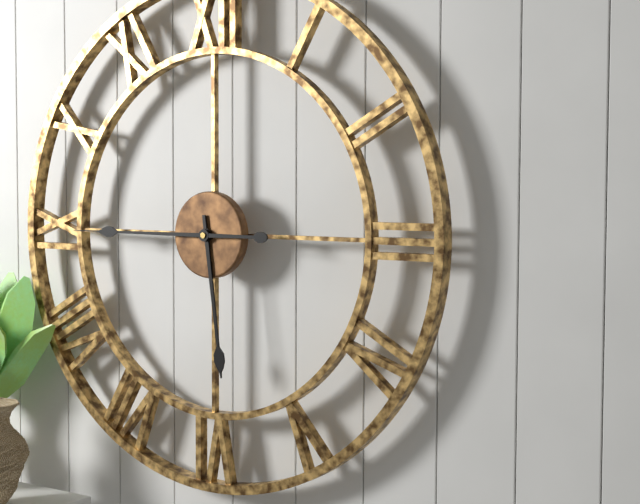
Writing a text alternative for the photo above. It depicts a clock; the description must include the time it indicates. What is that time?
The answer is 5:45
